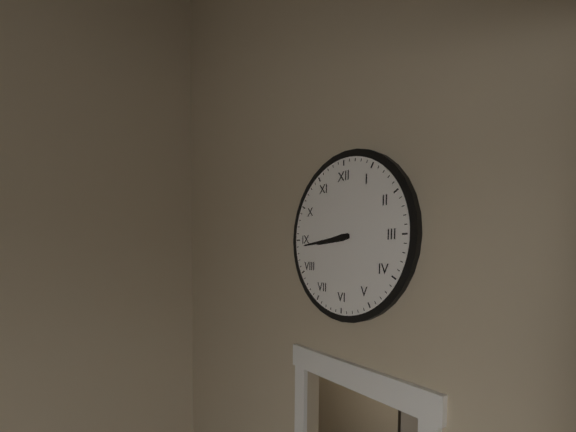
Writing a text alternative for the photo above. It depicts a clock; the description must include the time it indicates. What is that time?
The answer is 8:44
